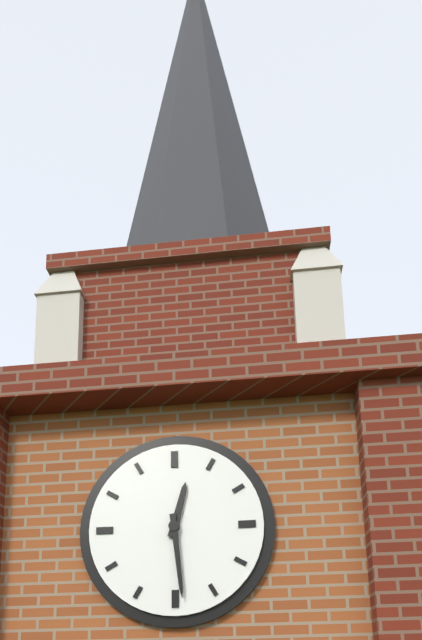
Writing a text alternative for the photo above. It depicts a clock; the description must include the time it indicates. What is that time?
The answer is 12:29
